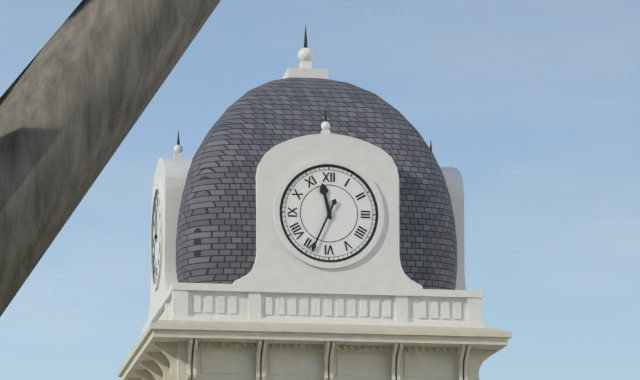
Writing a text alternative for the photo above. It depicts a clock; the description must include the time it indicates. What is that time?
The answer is 11:34
